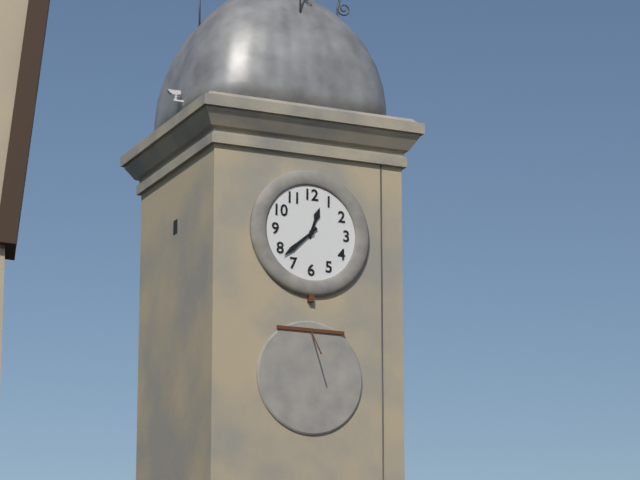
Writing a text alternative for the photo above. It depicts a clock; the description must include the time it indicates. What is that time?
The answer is 12:38
